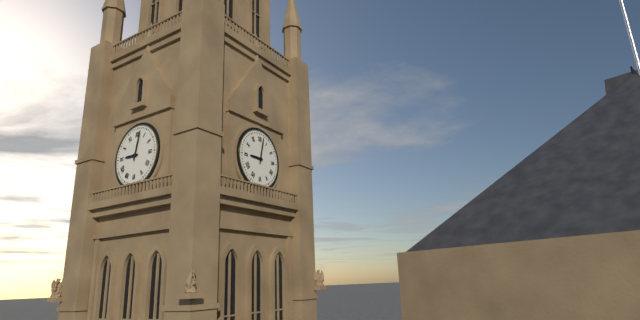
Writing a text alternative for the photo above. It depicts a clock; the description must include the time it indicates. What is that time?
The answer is 9:02
